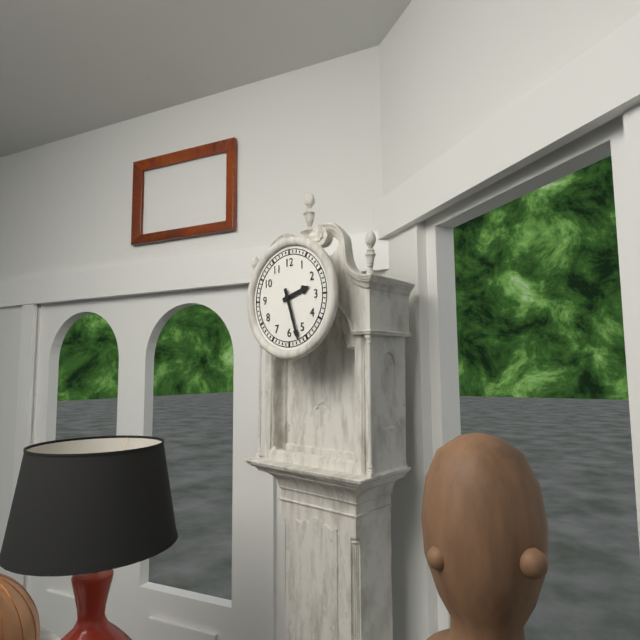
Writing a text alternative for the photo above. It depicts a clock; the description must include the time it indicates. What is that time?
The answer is 2:27
